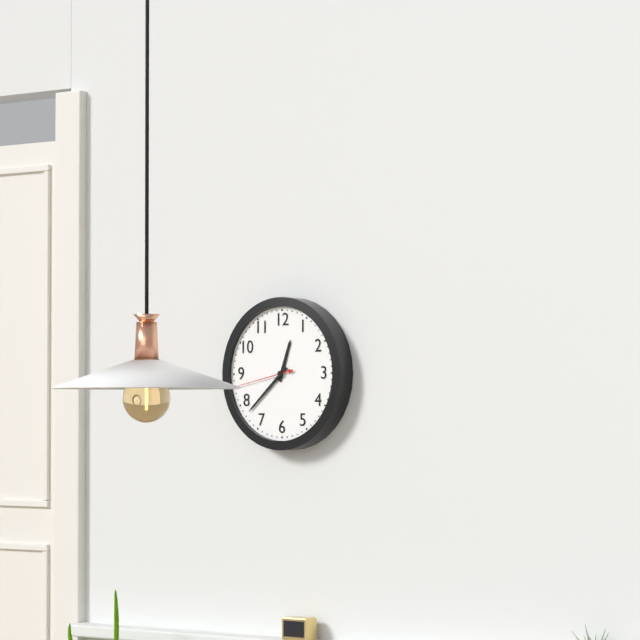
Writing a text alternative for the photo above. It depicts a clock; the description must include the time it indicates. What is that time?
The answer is 12:38:43
